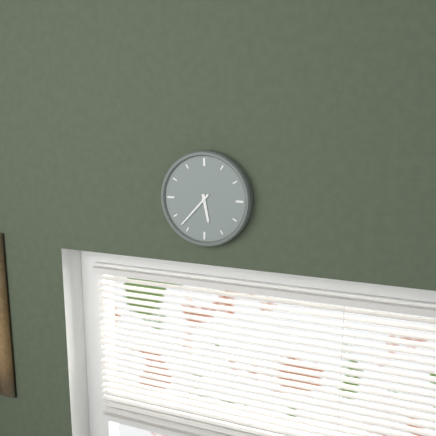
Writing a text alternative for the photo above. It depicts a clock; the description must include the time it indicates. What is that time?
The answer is 5:37
